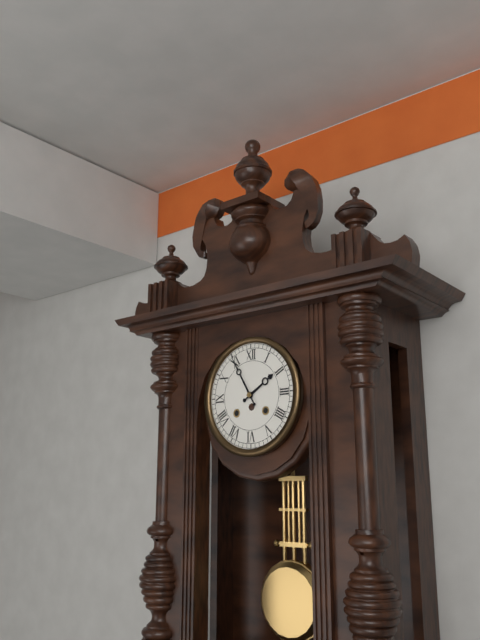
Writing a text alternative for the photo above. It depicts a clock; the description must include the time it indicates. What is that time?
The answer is 1:55
